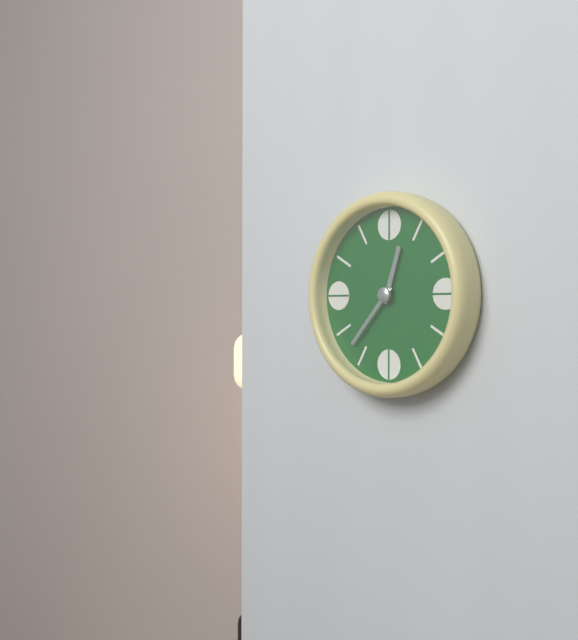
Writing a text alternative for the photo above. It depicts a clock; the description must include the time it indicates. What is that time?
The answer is 12:37
